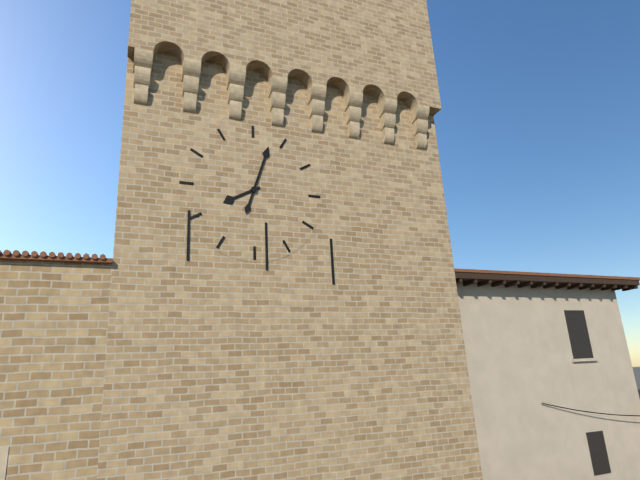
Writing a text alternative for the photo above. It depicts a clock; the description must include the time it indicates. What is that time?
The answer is 8:03
